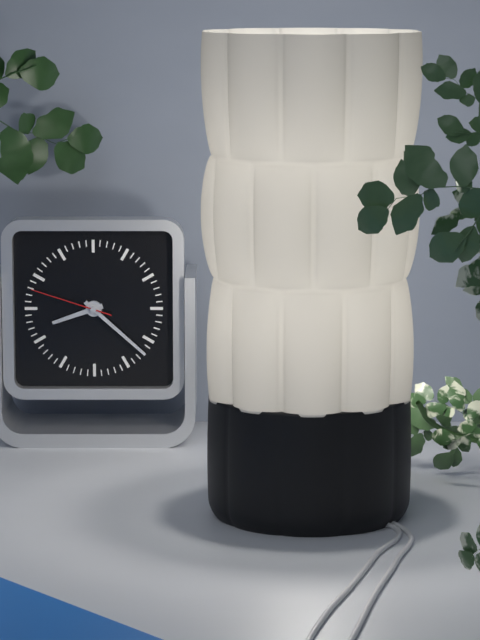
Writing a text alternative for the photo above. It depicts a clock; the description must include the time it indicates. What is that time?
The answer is 8:22:48
